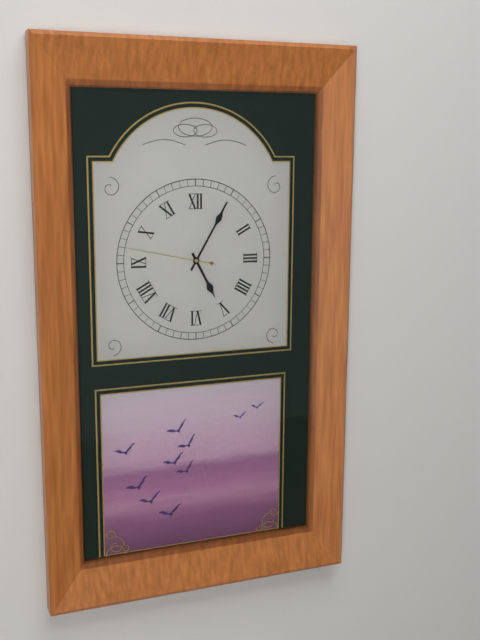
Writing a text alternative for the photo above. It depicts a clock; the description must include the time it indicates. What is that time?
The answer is 5:05:47
